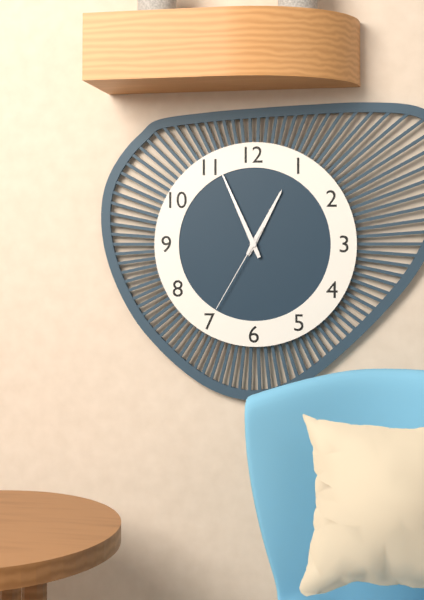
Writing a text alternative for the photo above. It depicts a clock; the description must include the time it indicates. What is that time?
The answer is 12:56:35
